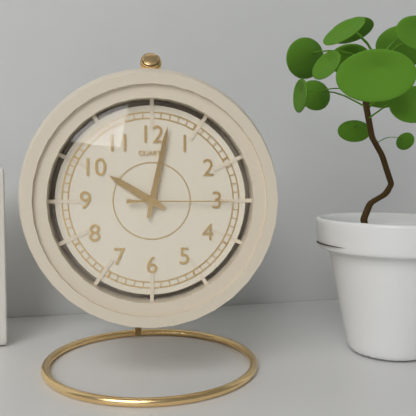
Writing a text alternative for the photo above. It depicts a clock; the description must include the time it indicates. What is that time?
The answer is 10:02:15
